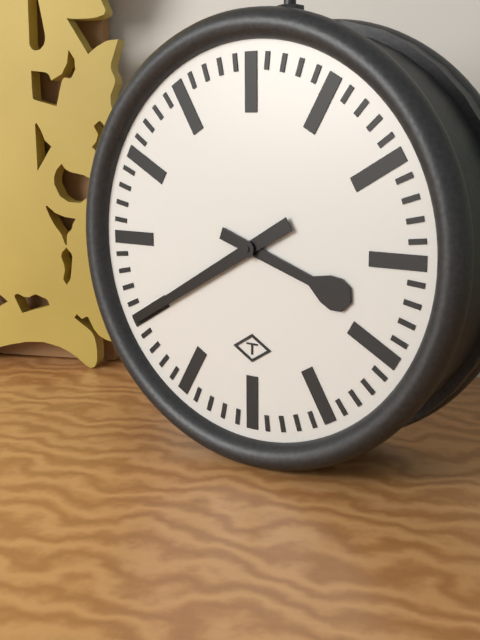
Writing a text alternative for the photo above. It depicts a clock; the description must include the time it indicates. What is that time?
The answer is 3:40
